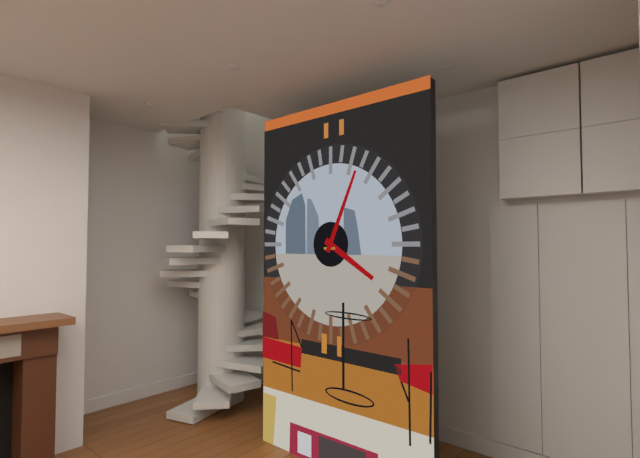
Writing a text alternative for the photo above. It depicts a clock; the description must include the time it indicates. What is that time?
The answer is 4:04
